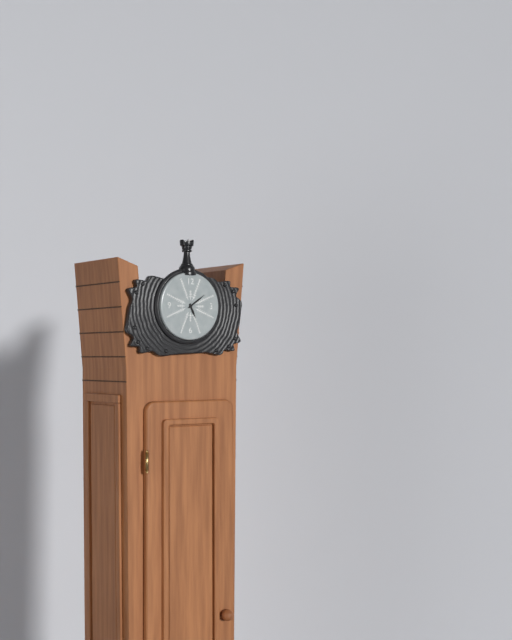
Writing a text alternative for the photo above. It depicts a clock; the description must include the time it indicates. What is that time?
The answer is 5:09
